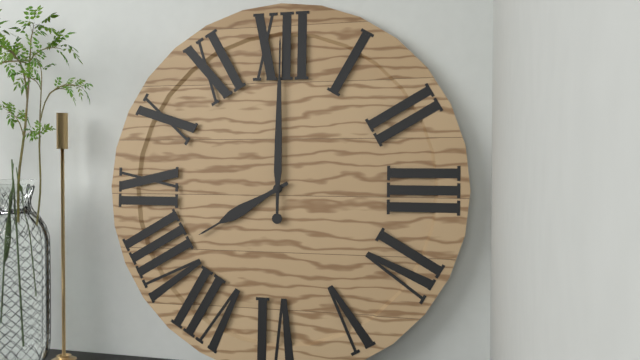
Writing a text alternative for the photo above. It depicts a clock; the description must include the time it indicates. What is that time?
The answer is 8:00
